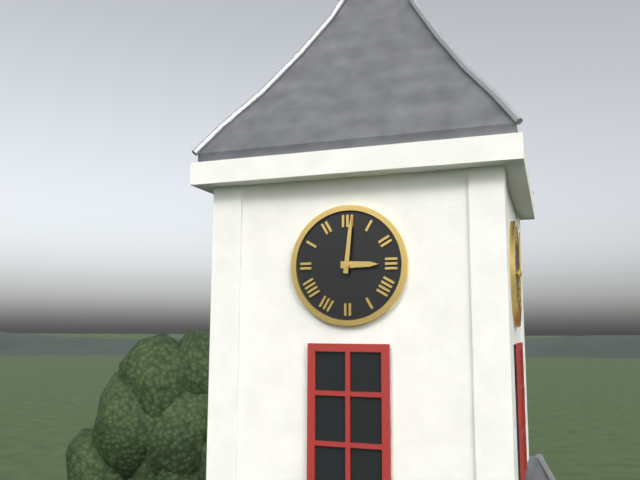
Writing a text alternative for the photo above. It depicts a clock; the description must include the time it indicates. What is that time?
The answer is 3:01
